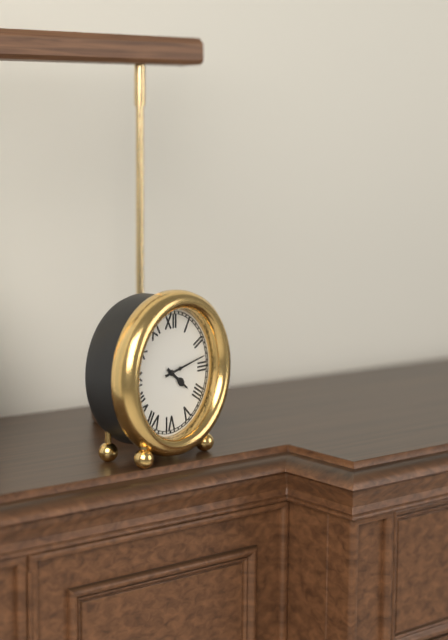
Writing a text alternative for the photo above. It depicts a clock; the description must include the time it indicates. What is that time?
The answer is 4:13
